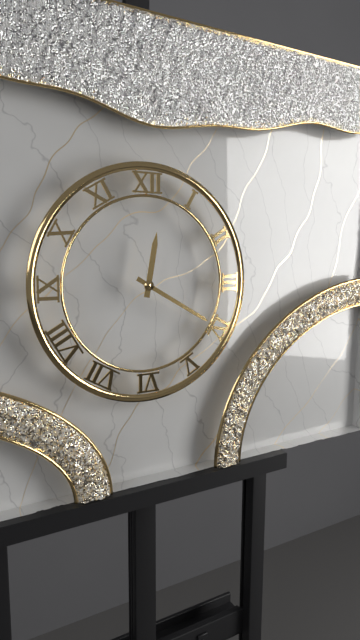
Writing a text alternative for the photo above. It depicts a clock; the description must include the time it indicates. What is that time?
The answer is 12:20
